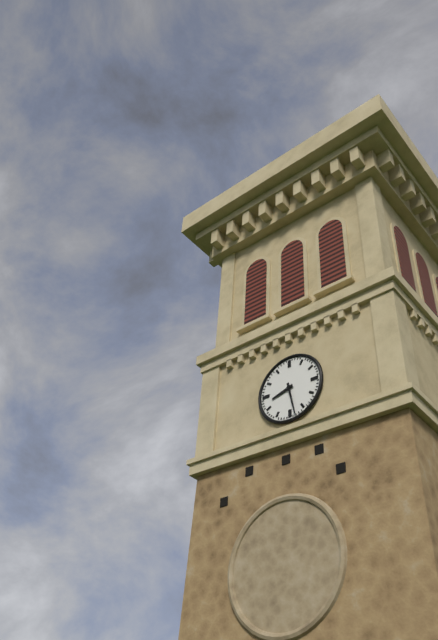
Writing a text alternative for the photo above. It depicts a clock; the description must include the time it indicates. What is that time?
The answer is 8:28
